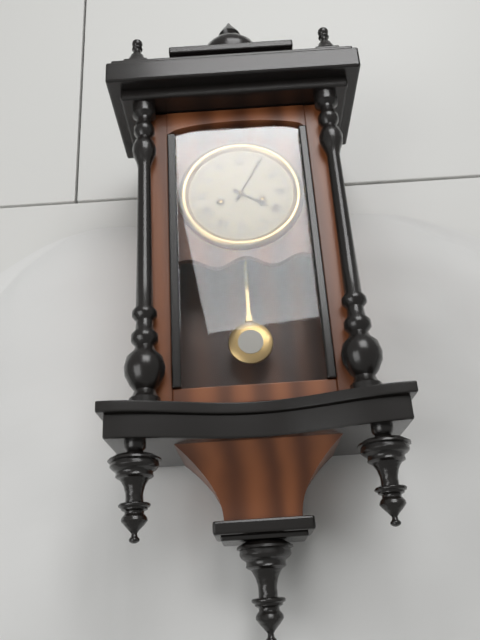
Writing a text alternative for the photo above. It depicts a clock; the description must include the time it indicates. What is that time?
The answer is 4:05
